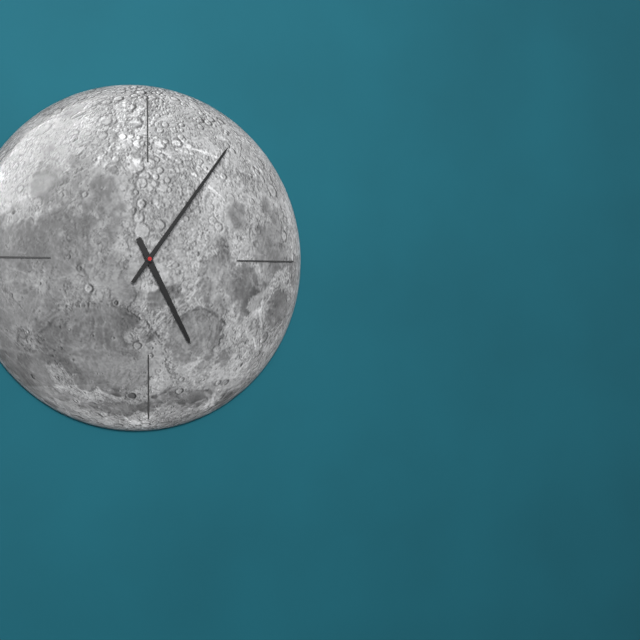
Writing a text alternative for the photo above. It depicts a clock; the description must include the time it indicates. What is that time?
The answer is 5:06
